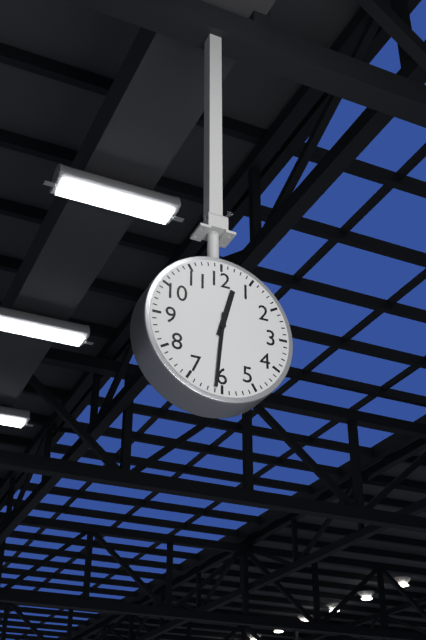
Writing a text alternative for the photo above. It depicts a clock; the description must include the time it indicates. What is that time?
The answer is 12:31
